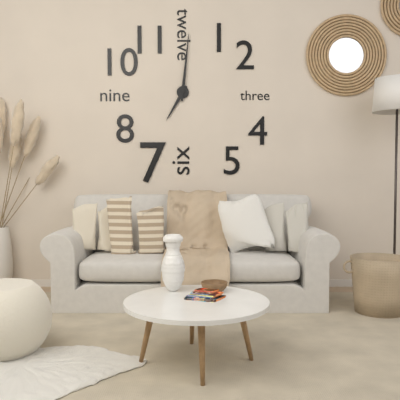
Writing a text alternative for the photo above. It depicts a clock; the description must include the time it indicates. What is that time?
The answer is 7:01
